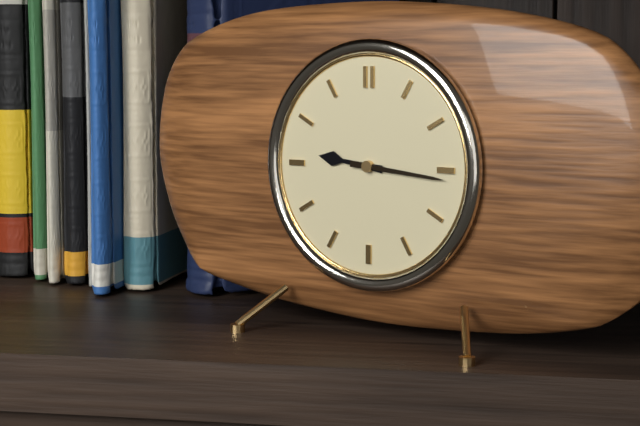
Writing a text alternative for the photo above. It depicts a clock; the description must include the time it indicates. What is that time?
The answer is 9:16
